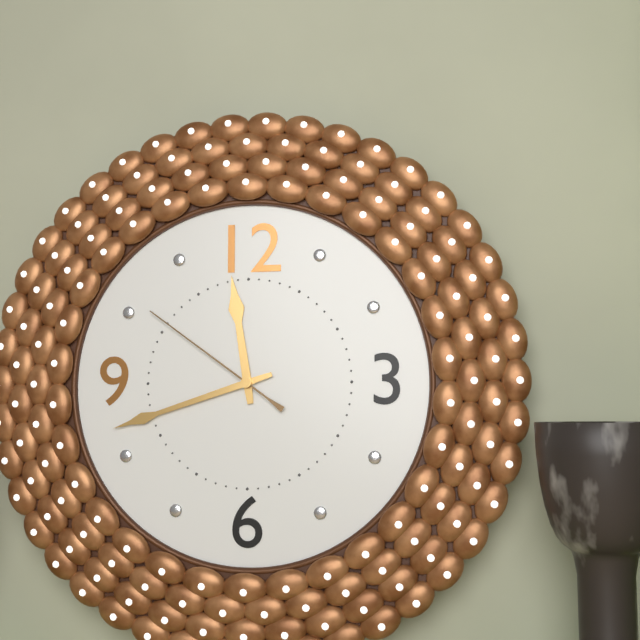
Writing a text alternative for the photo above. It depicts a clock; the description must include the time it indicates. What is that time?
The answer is 11:42:51
